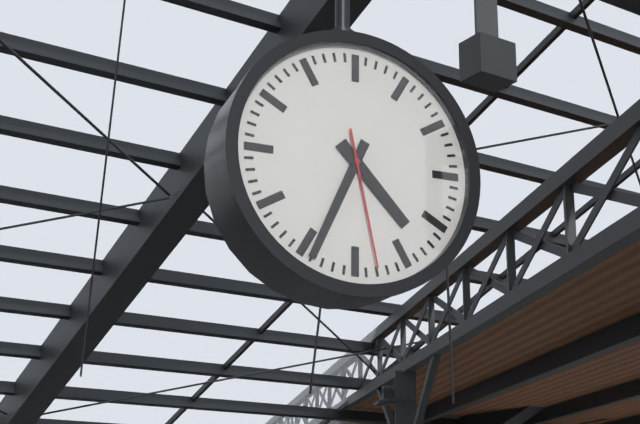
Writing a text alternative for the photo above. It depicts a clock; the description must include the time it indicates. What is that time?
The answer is 4:34:28
